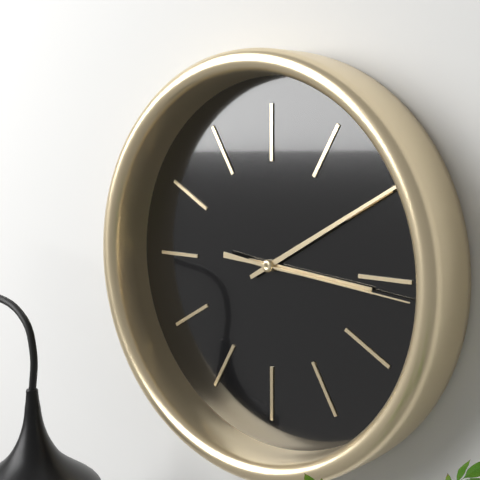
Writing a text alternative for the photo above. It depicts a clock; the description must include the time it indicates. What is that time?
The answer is 3:10:16
